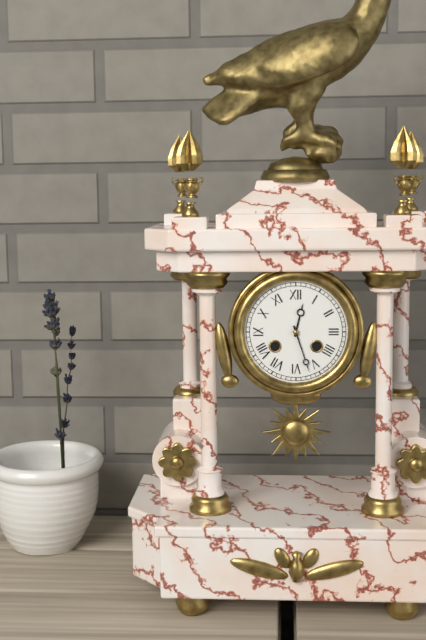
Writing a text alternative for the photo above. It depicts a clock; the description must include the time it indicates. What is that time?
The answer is 12:27
